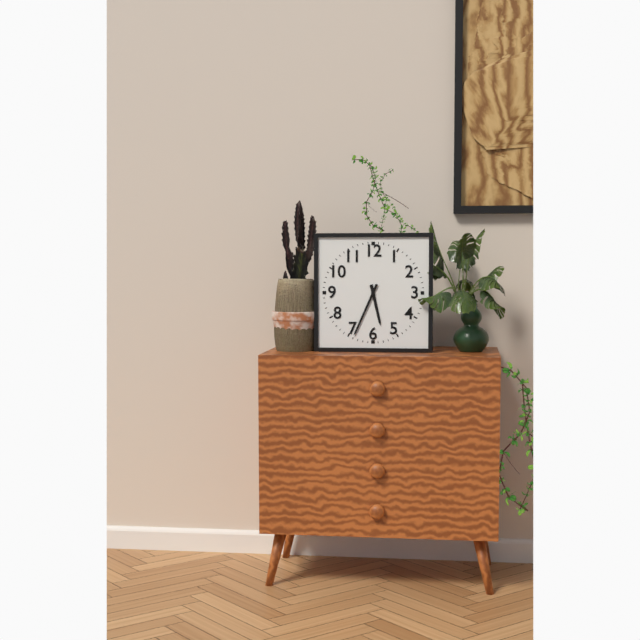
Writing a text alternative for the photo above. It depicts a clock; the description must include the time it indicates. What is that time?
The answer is 5:34
